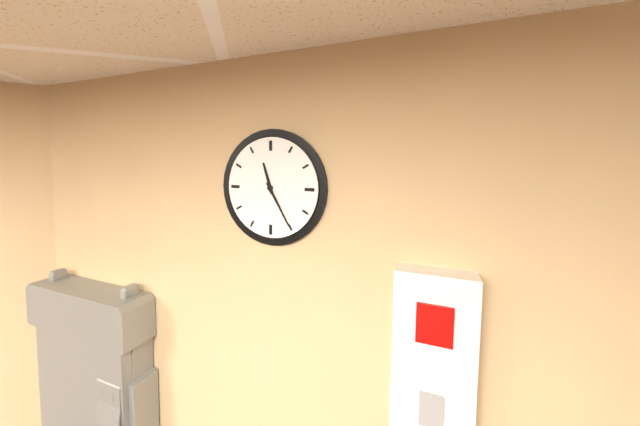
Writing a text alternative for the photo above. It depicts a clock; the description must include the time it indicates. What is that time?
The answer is 11:25
